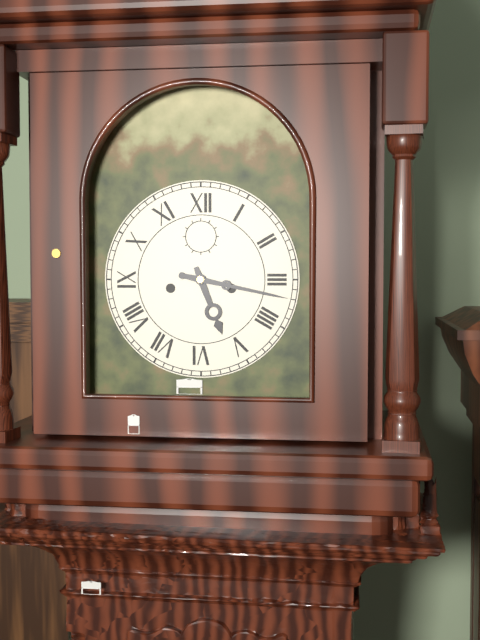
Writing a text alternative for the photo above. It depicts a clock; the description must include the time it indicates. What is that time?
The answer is 5:17
